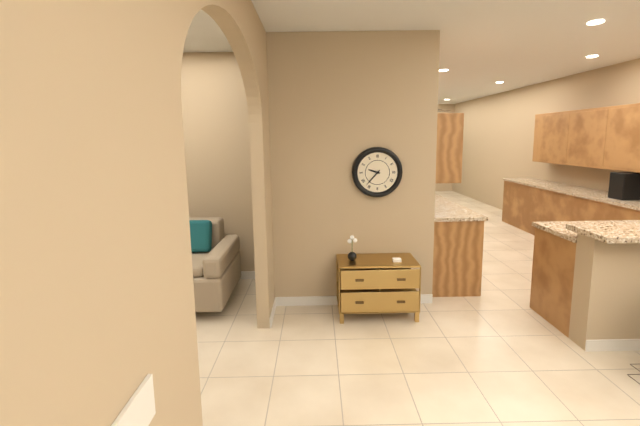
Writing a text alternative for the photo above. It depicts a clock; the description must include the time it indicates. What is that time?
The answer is 9:37
